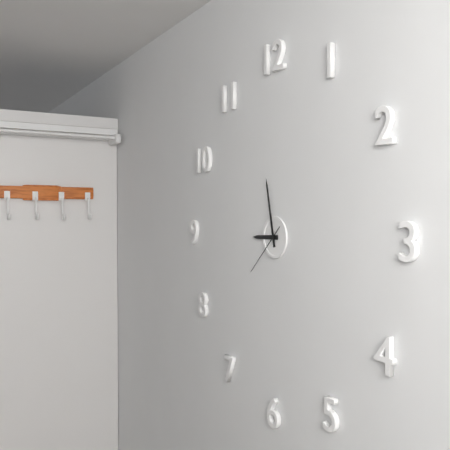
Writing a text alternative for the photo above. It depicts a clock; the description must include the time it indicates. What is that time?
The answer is 8:58:38
